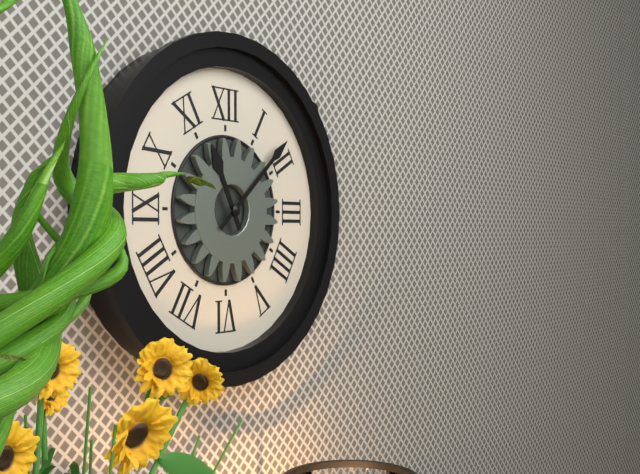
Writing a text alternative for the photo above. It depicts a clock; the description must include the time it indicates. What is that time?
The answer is 11:08
